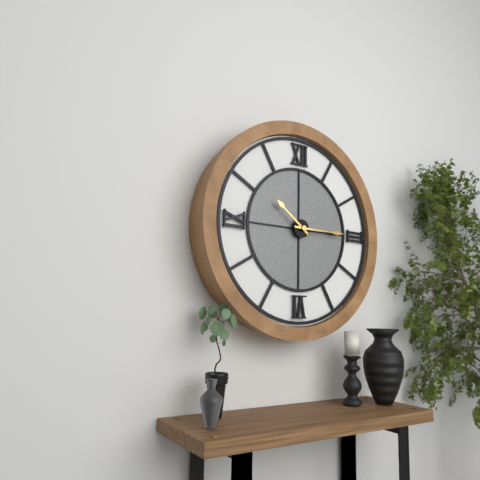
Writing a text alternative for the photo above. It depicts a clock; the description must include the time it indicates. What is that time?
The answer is 10:15
